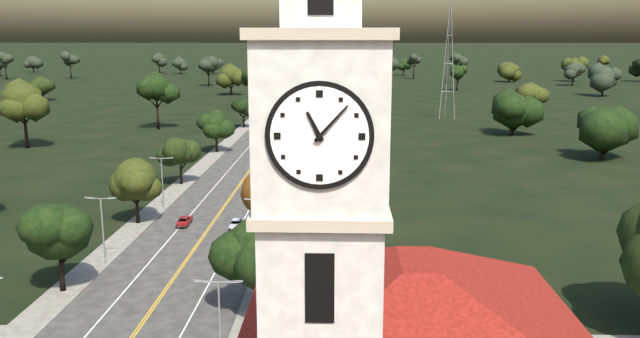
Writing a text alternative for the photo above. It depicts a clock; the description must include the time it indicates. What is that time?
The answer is 11:07
